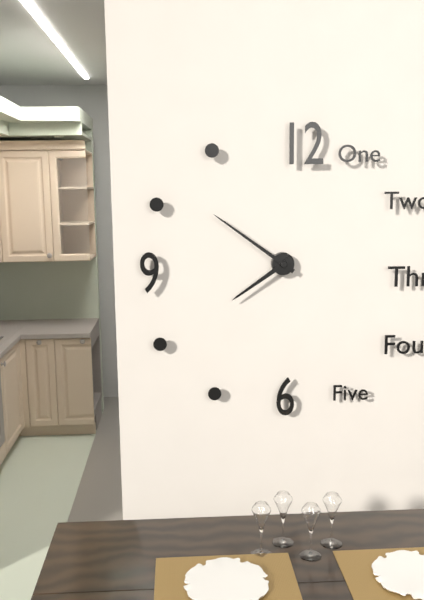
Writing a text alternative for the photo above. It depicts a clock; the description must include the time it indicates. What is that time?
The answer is 7:51
